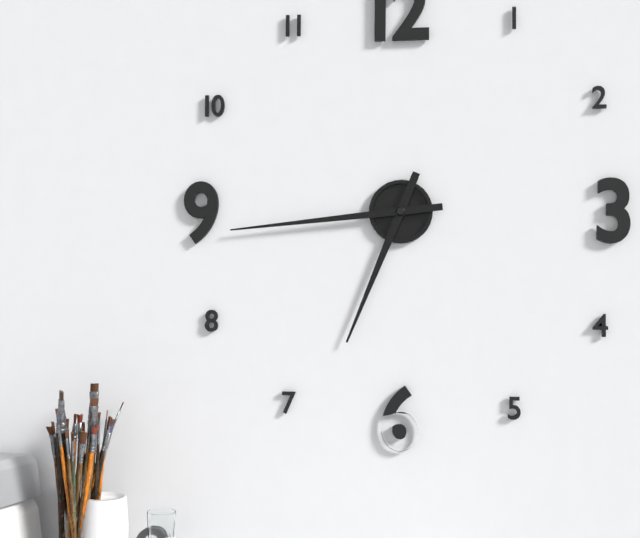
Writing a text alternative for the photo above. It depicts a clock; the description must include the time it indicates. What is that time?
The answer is 6:44
